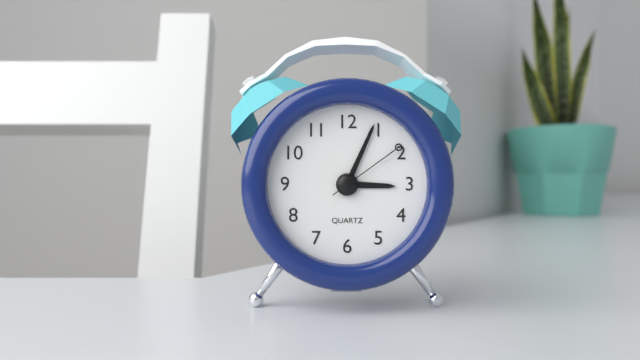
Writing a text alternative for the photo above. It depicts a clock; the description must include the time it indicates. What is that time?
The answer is 3:04:09
